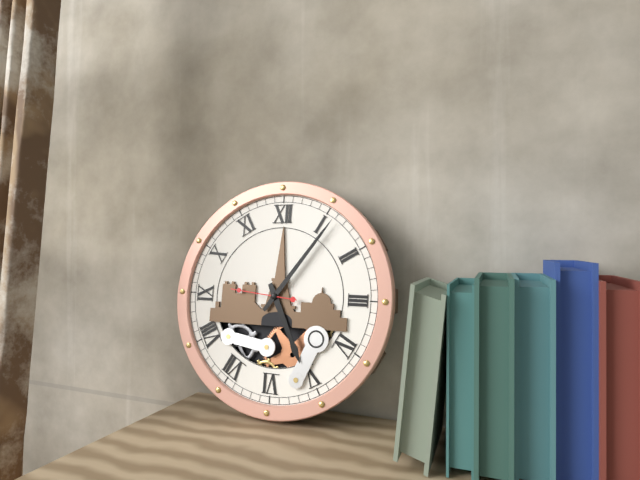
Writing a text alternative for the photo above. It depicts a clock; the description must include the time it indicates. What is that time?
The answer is 5:06:46
